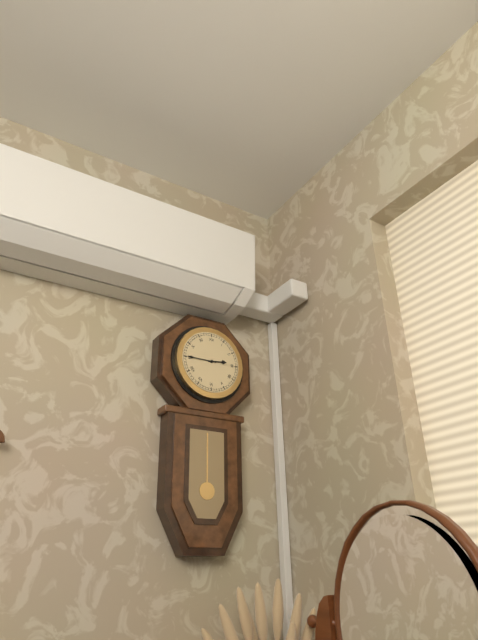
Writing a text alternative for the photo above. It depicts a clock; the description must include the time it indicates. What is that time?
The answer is 2:45
